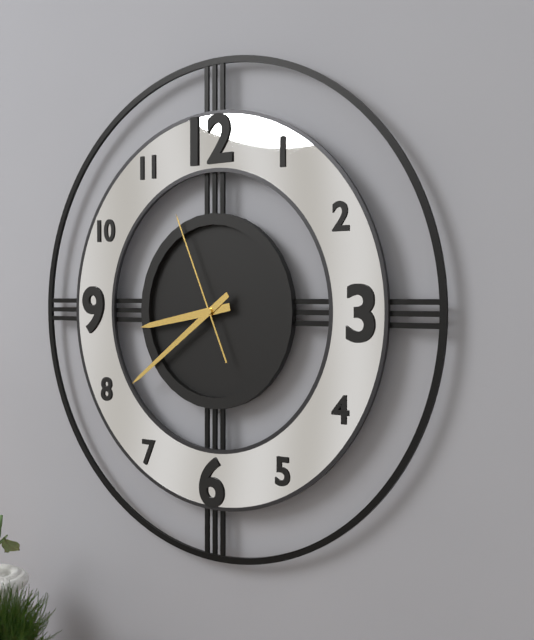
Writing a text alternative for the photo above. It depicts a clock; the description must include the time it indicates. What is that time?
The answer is 8:39:56
